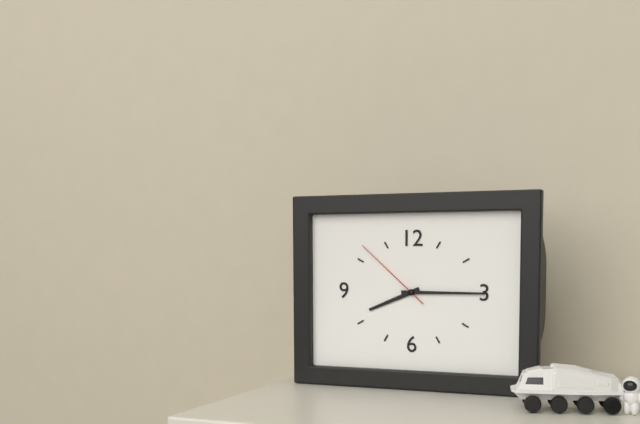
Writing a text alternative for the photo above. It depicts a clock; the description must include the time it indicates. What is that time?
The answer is 8:15:52
